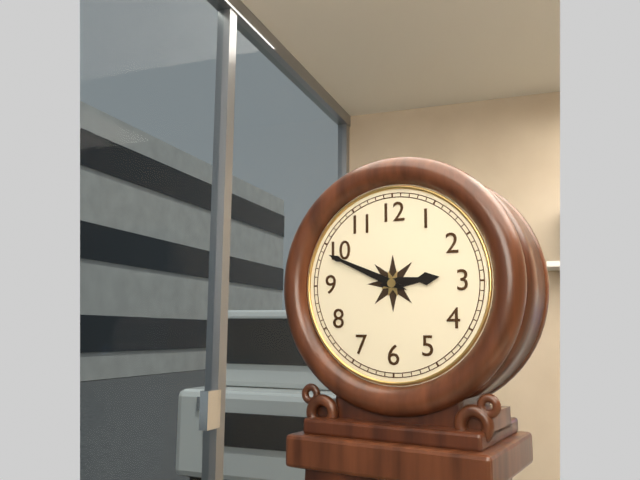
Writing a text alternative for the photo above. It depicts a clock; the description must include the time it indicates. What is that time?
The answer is 2:49
